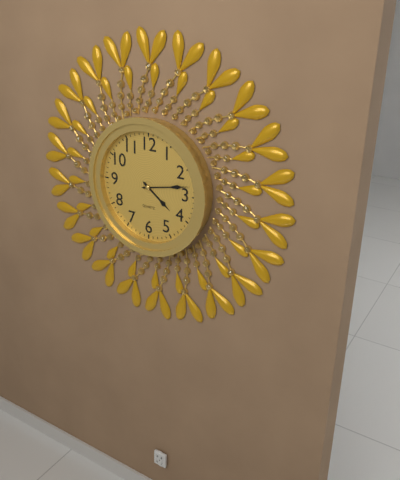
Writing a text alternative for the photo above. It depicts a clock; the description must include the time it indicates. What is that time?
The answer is 4:13
